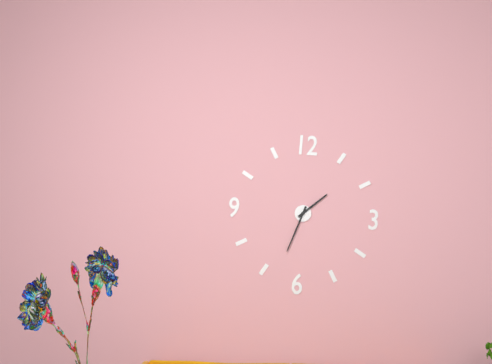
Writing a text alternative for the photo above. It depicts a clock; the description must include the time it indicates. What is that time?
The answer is 1:33
